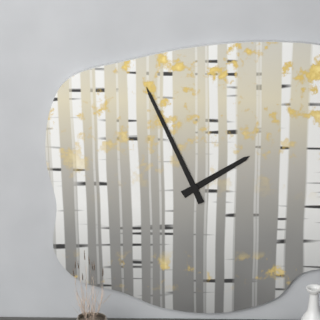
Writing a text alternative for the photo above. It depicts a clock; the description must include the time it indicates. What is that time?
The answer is 1:56
